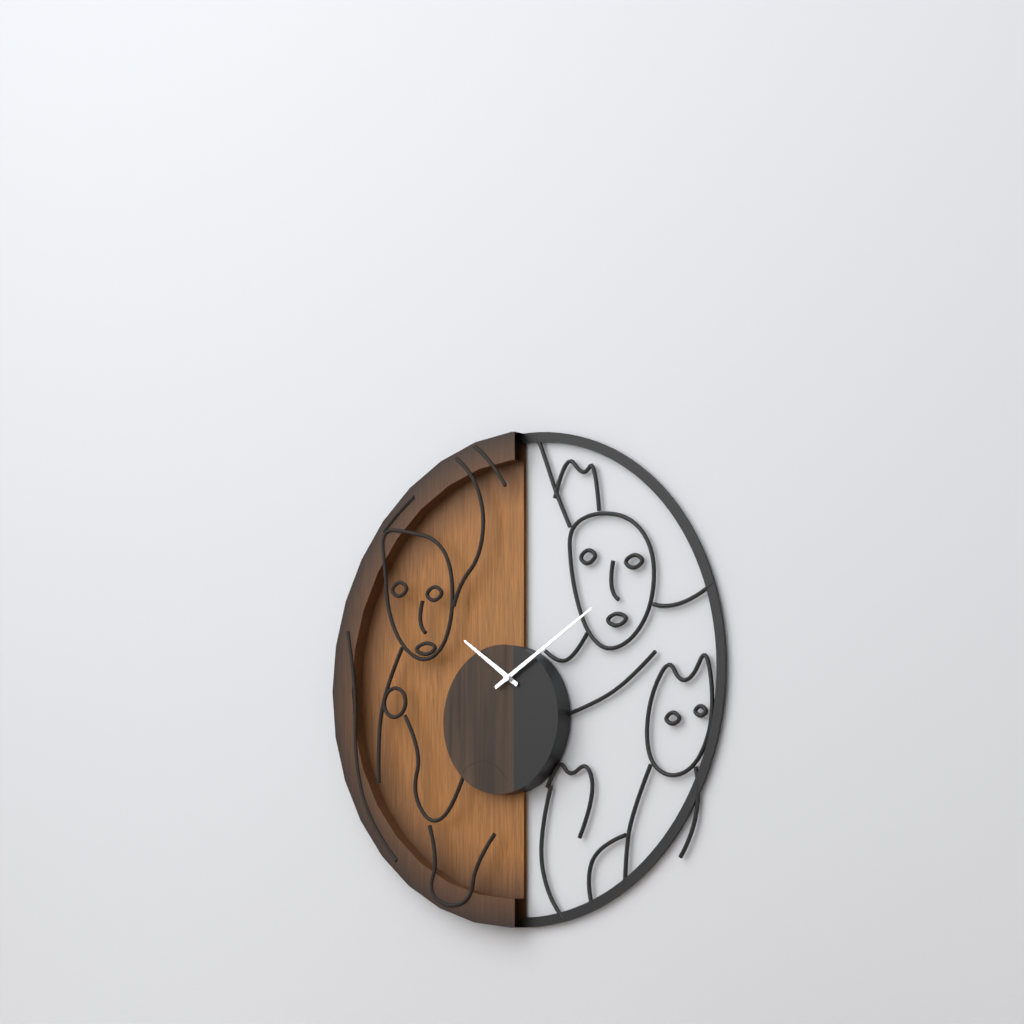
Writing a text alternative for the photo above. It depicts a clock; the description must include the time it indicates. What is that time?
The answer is 10:10
